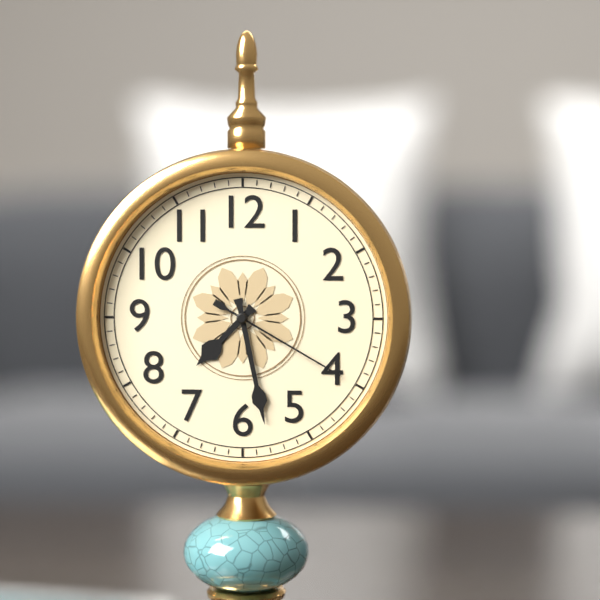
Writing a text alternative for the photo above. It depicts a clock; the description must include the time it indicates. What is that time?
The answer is 7:28:20
